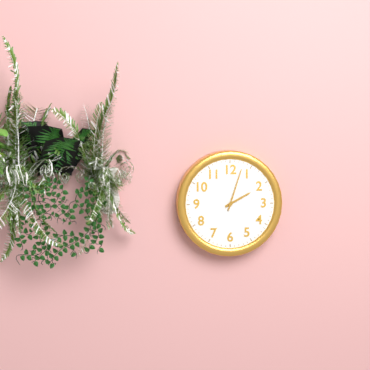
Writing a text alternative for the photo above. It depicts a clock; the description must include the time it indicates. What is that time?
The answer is 2:03
